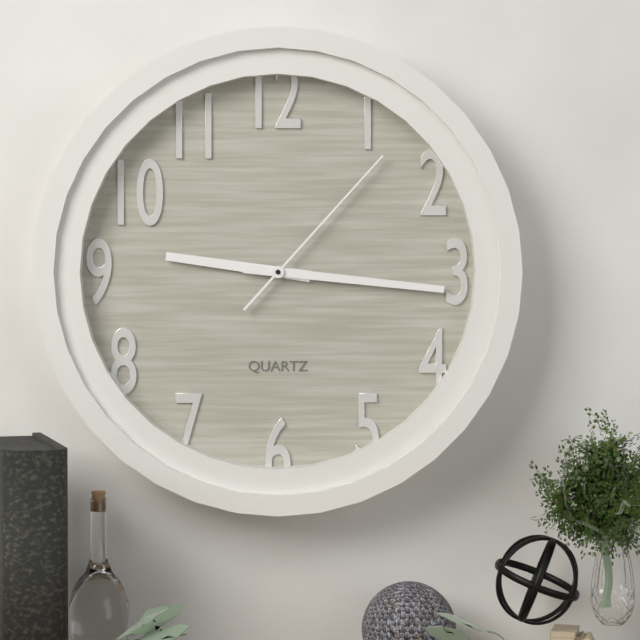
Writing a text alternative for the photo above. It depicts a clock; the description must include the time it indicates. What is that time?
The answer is 9:16:07
